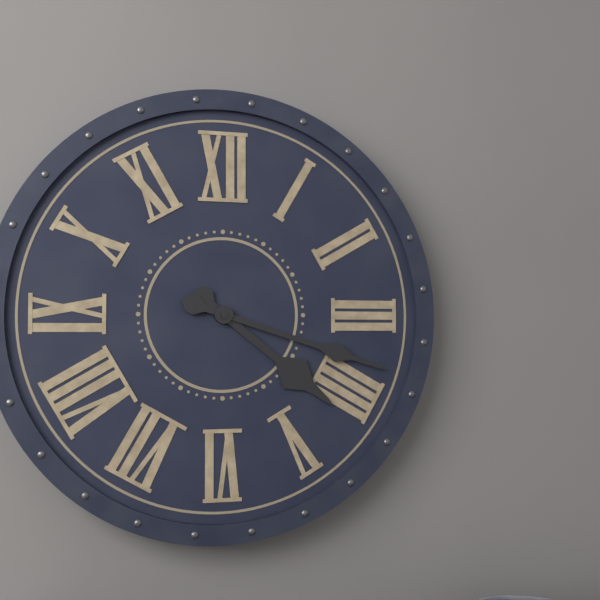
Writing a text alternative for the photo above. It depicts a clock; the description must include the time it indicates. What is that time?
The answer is 4:18
